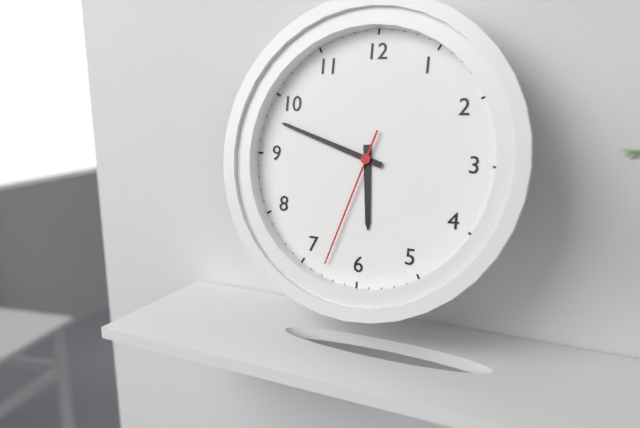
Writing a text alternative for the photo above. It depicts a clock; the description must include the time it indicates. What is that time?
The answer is 5:48:33
